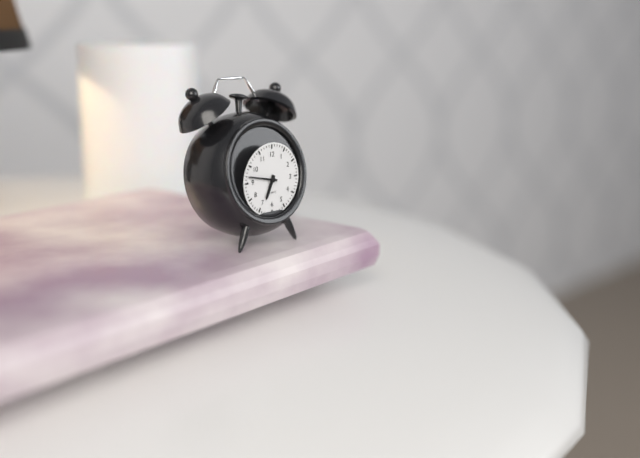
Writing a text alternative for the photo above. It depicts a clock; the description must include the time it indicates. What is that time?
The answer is 6:47
